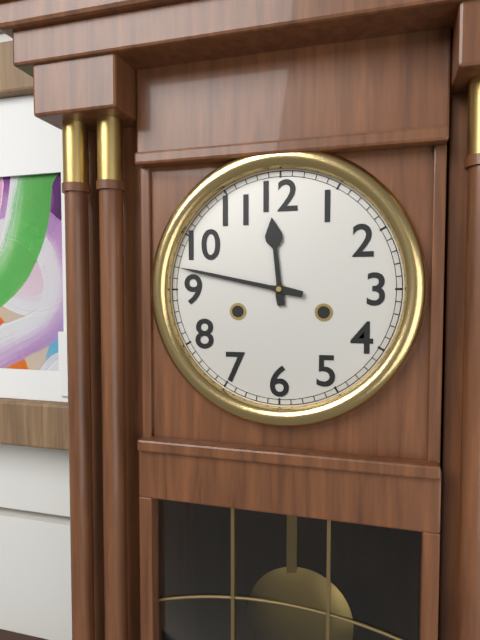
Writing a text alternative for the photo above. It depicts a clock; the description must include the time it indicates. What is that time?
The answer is 11:47
